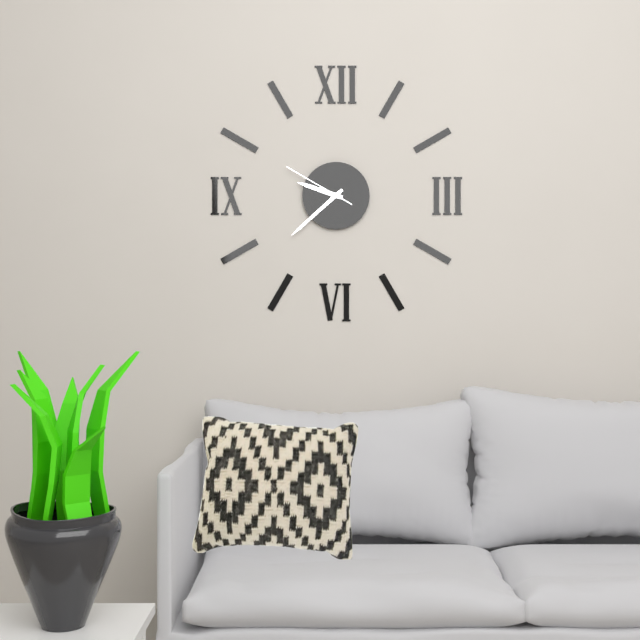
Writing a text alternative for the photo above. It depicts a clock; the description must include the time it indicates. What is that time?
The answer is 9:38:50
